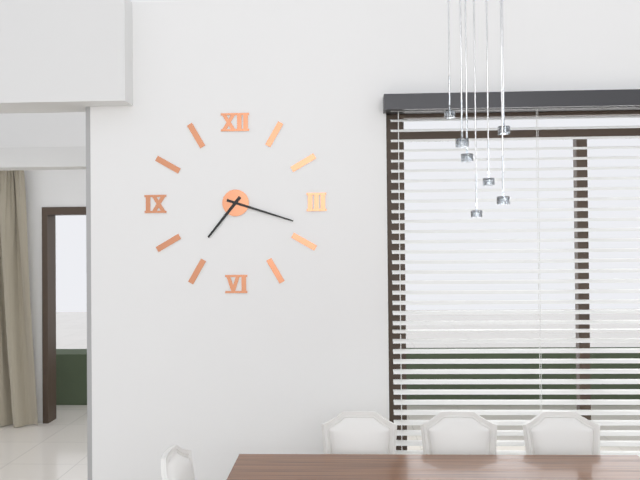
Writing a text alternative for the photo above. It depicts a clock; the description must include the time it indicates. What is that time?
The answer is 7:18
